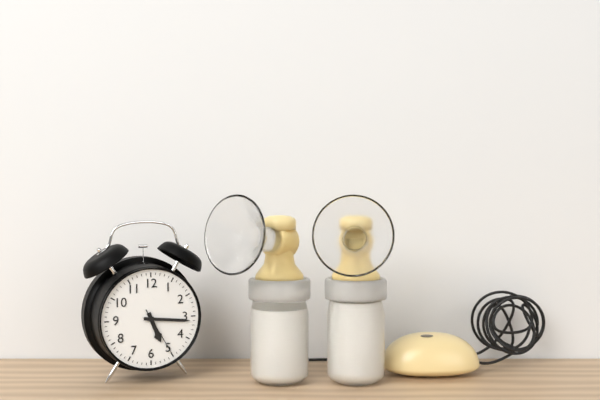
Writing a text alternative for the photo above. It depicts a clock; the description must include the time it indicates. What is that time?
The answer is 5:16:25
